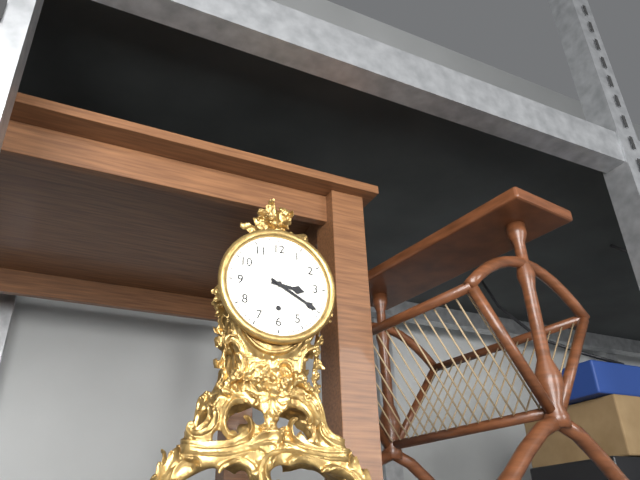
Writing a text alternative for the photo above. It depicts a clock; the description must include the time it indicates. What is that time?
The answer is 3:20
